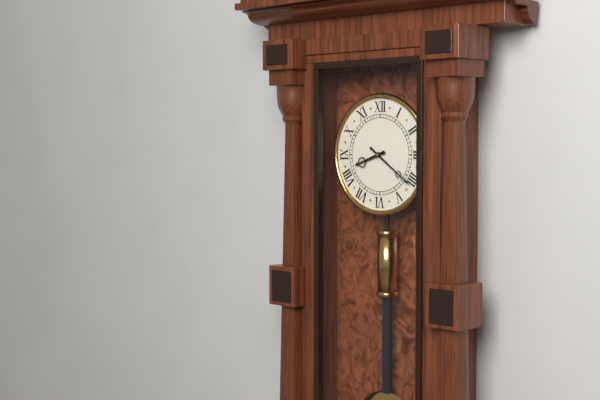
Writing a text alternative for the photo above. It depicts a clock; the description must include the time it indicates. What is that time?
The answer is 8:21
